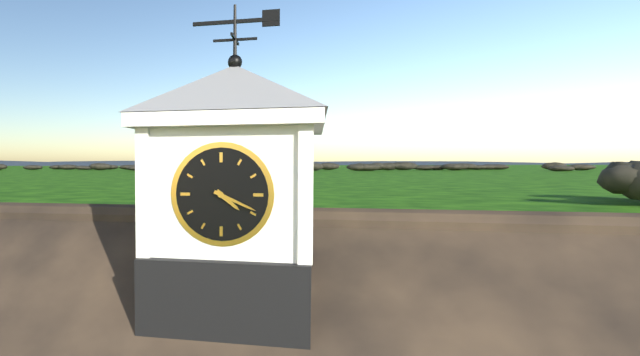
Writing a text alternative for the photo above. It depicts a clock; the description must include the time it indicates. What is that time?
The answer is 4:19
